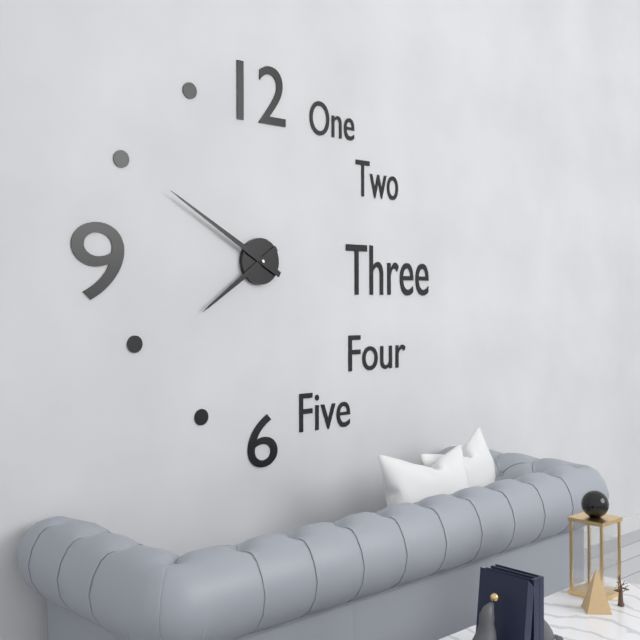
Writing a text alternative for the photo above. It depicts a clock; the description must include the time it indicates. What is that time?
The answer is 7:50
